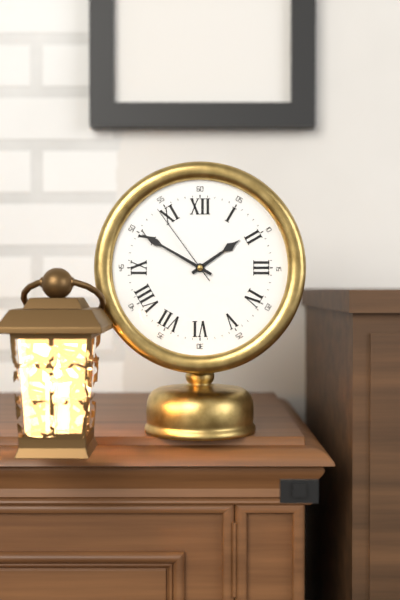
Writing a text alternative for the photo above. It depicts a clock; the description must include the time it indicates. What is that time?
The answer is 1:50:54
